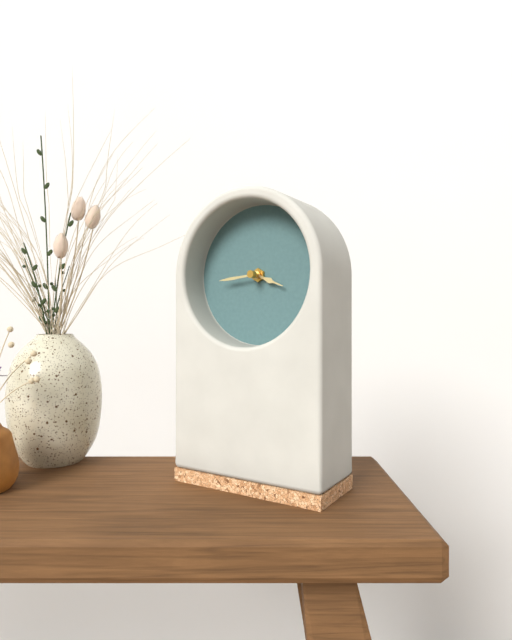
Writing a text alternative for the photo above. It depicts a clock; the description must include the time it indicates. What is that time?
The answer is 3:44
